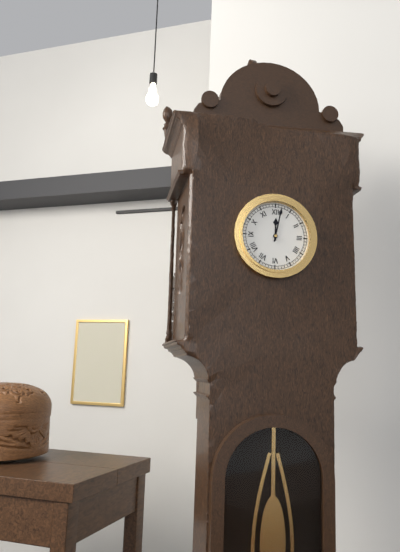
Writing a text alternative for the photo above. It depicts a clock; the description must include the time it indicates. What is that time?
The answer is 12:02
